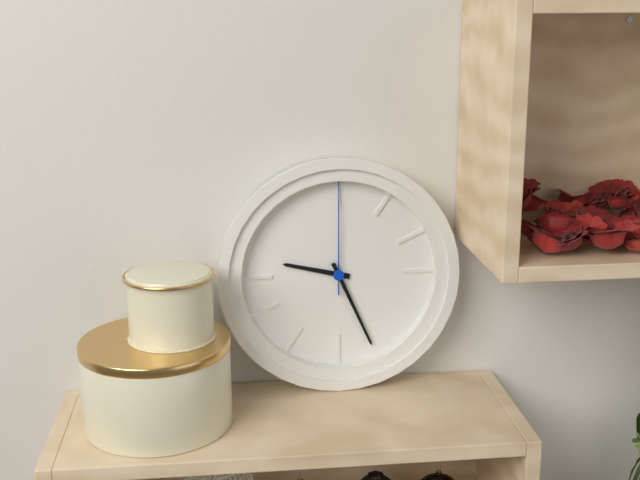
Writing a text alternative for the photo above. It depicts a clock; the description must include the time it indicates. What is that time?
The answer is 9:26:00
